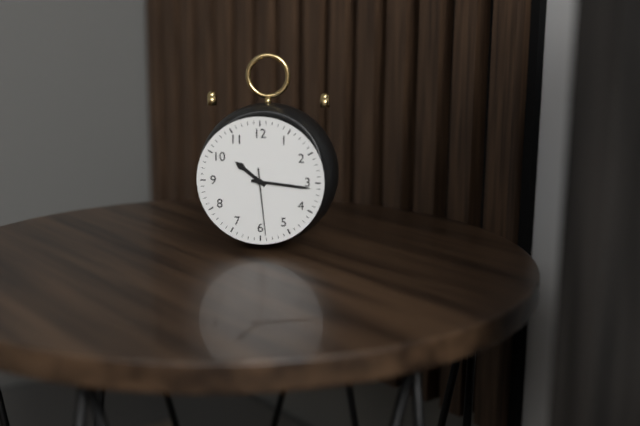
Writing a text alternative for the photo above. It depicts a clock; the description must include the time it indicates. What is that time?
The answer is 10:16:29
